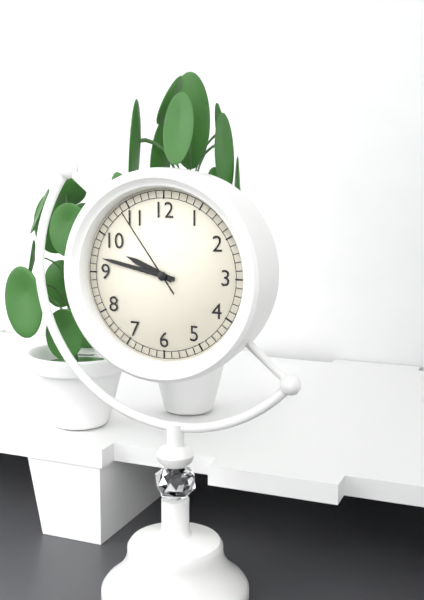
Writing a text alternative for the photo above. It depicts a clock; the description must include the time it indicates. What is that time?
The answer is 9:47:54
